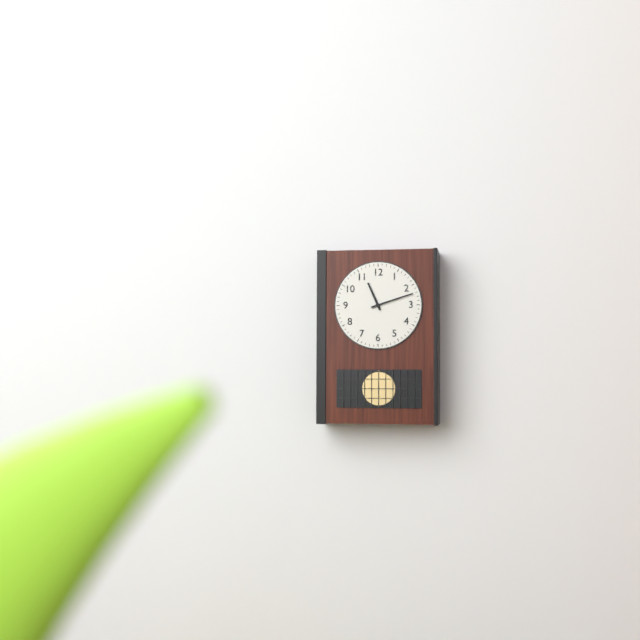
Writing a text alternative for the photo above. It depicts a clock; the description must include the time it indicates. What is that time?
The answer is 11:12
